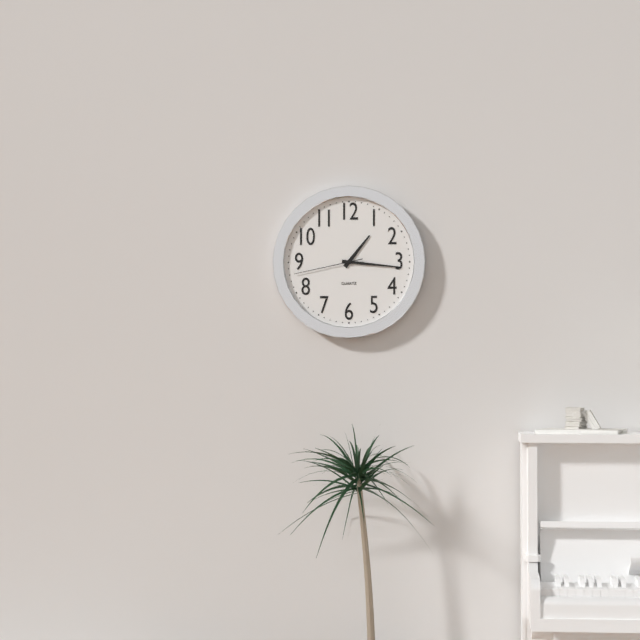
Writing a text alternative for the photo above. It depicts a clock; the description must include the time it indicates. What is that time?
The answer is 1:16:43
